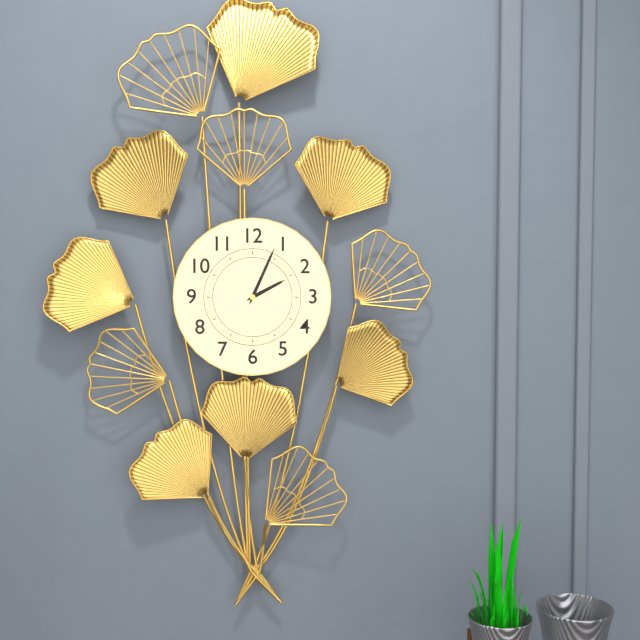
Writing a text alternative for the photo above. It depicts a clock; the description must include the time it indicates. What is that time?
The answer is 2:04
